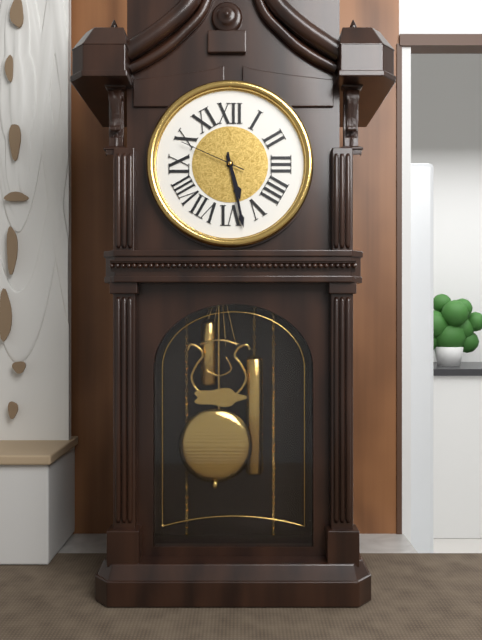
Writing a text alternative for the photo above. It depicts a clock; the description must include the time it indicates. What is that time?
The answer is 5:28:49
